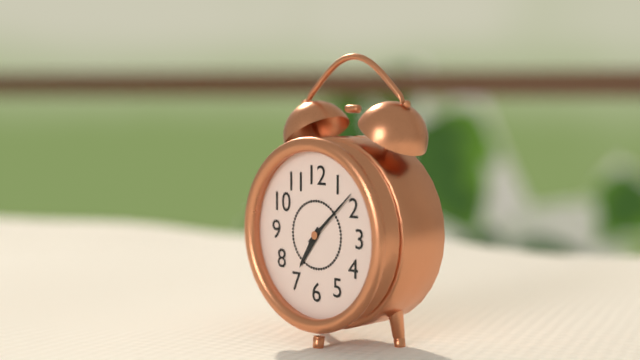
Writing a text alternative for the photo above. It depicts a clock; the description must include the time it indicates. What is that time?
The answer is 7:08
